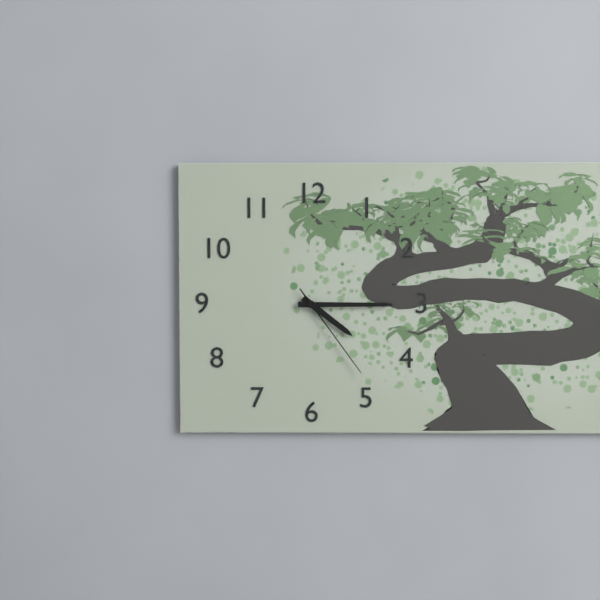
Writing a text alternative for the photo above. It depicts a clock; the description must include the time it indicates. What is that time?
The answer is 4:15:24
